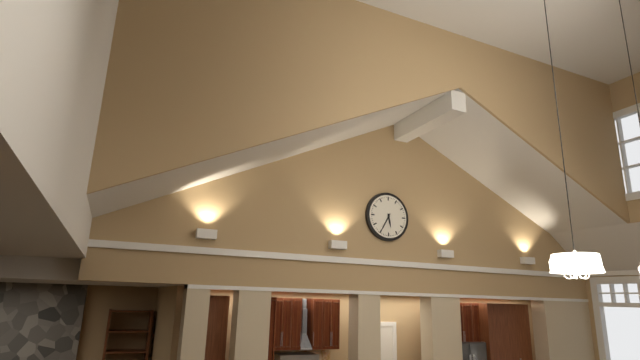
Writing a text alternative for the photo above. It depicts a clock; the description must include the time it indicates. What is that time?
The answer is 5:35
